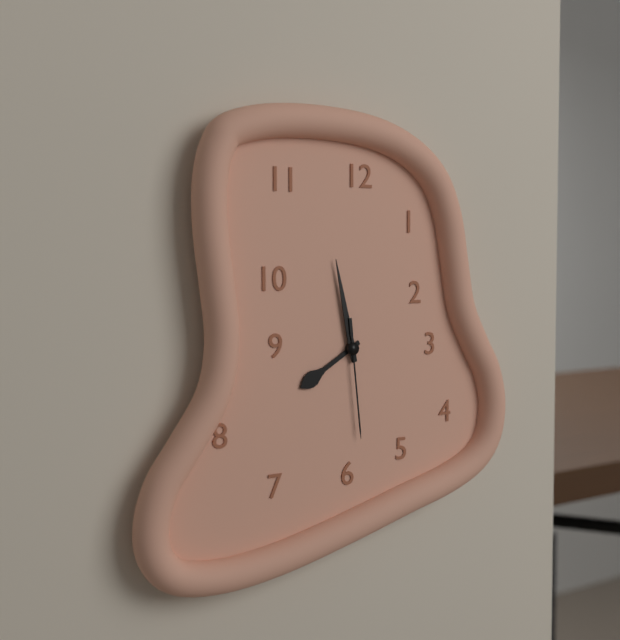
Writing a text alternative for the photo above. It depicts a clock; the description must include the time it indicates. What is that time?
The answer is 7:58:29
